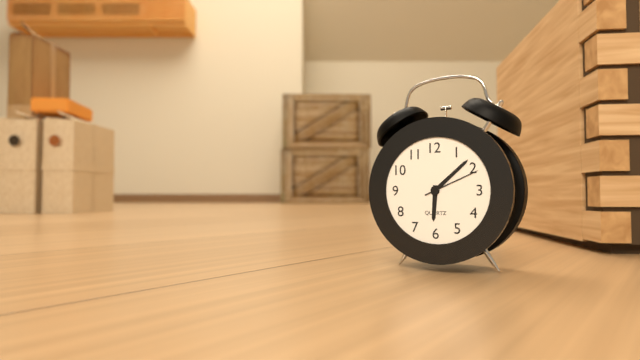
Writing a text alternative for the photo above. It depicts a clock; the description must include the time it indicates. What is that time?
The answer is 6:08:11
